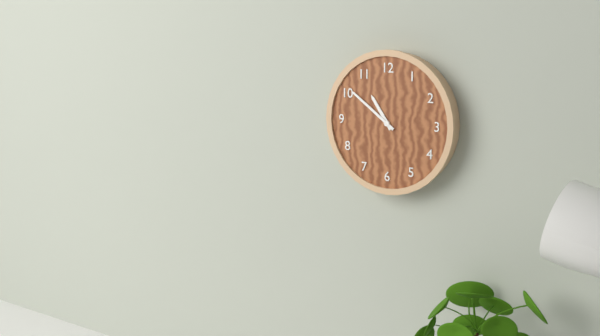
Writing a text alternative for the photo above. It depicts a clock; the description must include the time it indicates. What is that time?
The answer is 10:51
